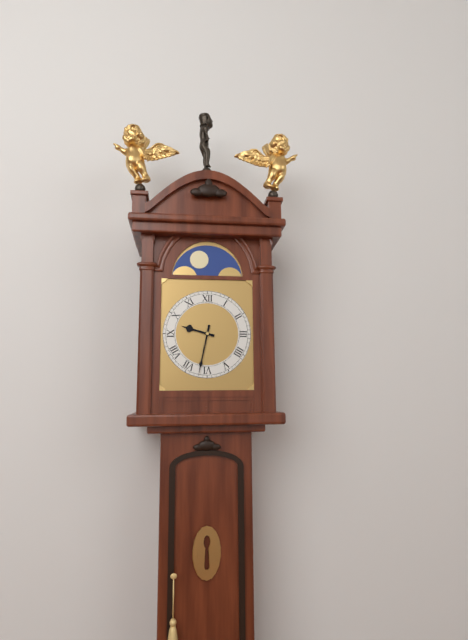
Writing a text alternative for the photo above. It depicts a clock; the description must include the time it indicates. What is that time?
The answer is 9:32
